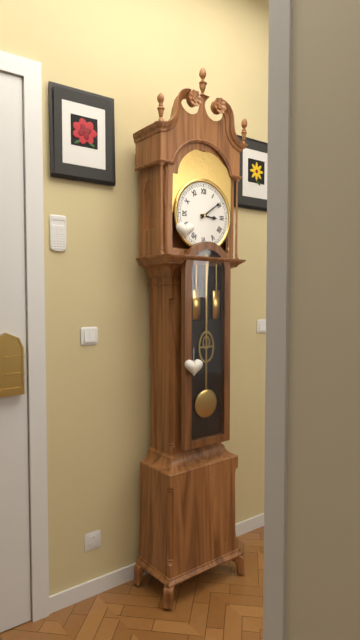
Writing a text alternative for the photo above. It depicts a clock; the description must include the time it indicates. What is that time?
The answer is 3:09
